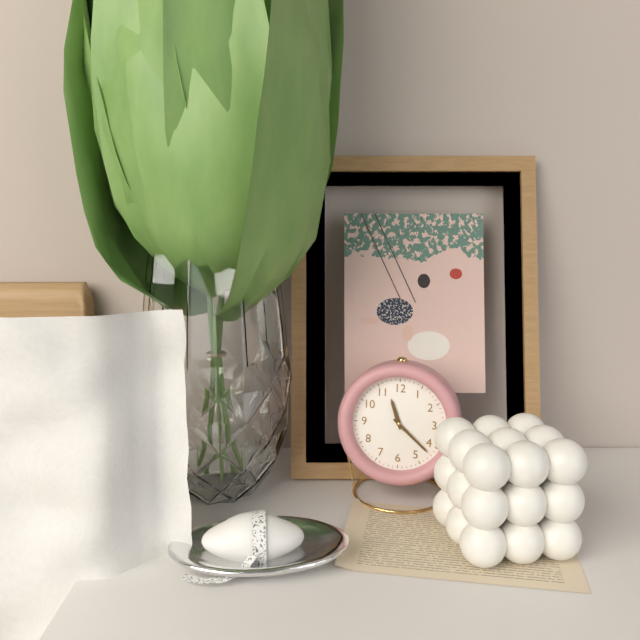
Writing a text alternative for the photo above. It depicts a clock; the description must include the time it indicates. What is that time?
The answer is 11:22
